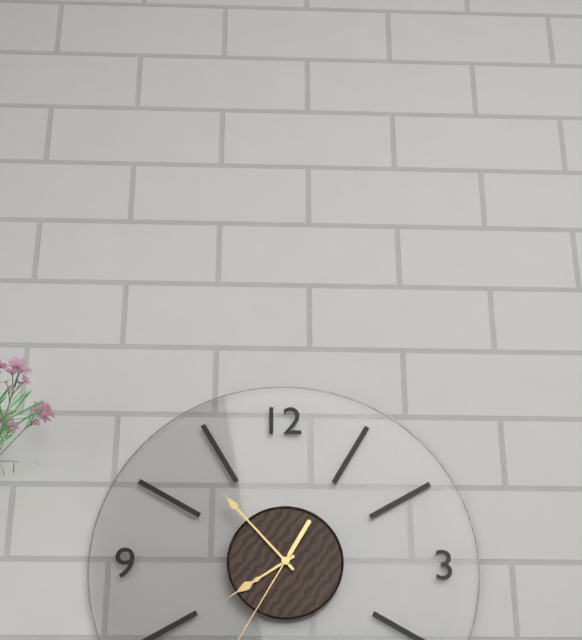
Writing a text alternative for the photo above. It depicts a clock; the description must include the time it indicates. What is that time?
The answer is 7:53
